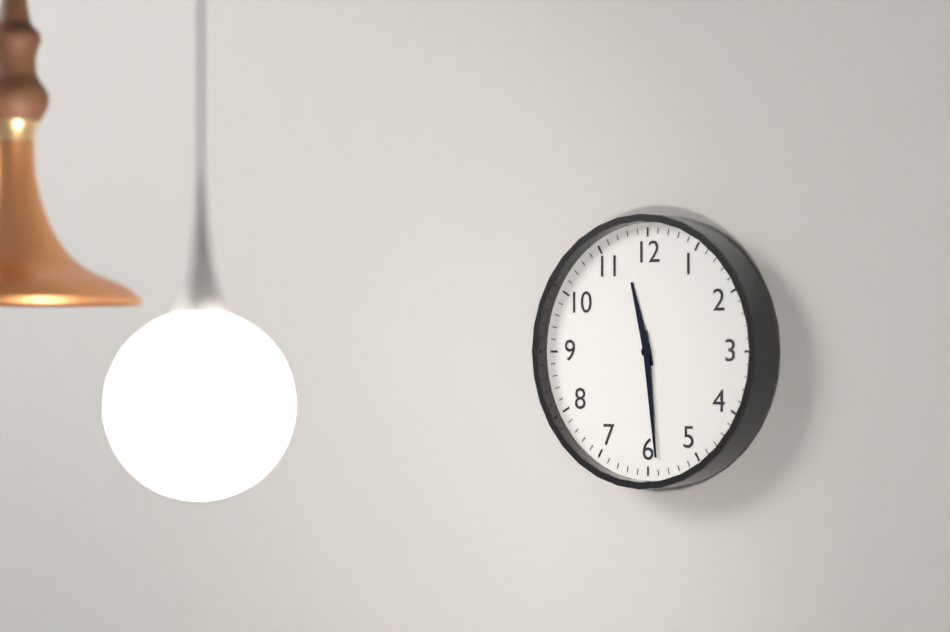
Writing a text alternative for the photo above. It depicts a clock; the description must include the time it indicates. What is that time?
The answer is 11:29
